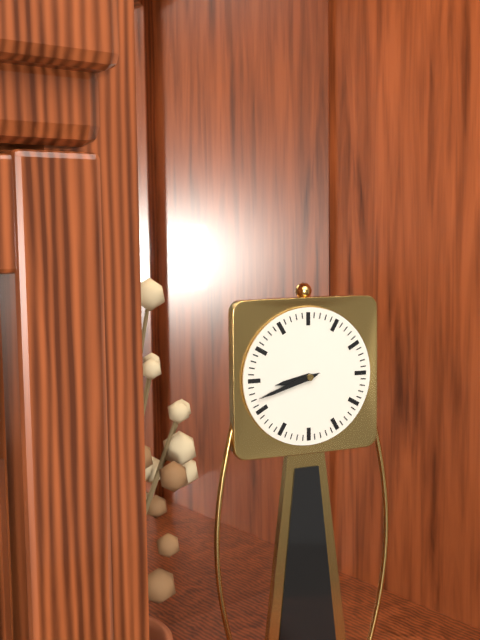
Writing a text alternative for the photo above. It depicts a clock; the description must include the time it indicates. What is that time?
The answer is 8:42
